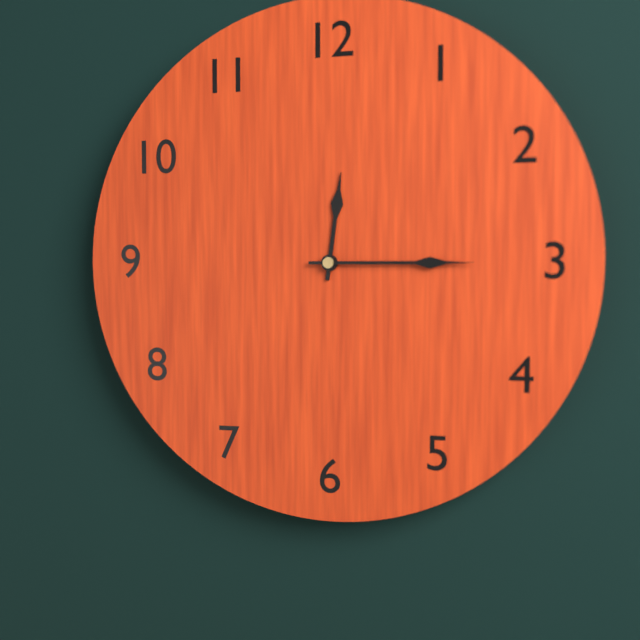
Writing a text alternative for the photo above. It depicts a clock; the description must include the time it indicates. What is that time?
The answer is 12:15
